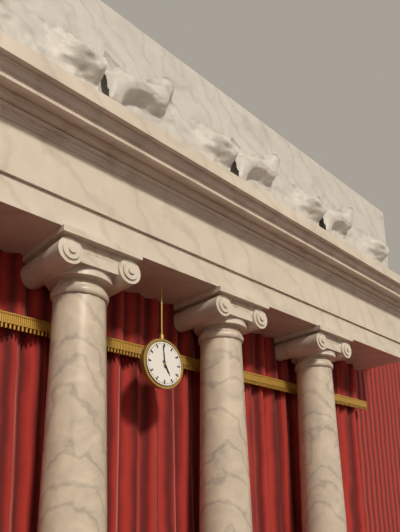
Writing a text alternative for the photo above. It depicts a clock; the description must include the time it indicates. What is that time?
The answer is 4:59
